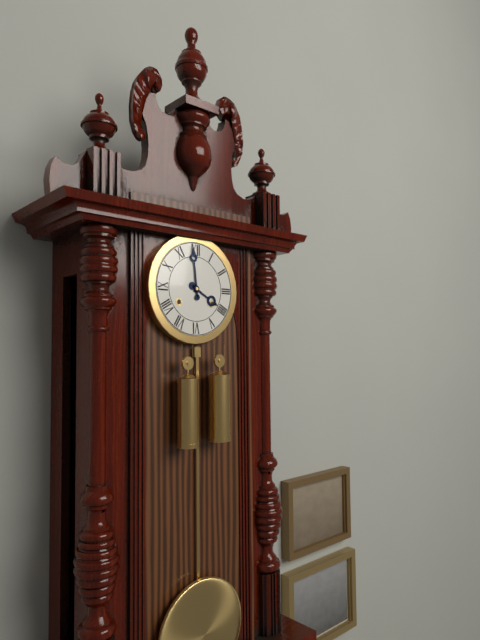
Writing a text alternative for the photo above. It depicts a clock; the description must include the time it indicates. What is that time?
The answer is 3:59
